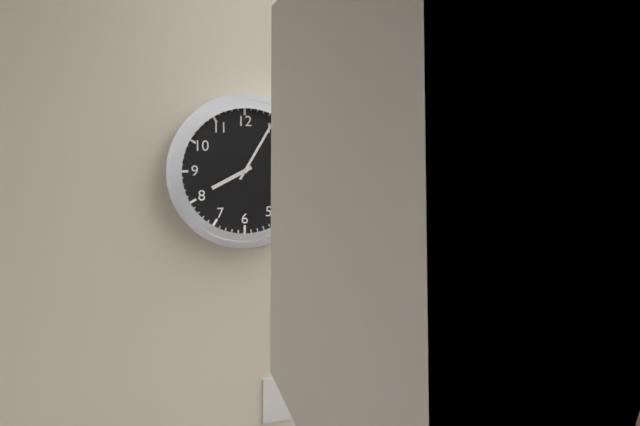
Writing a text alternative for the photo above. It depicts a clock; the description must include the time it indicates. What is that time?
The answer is 8:05
